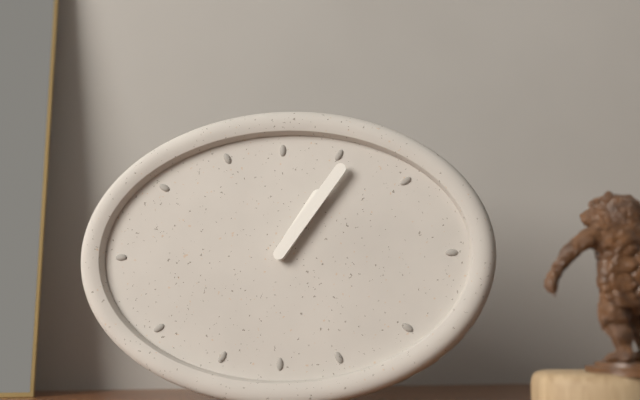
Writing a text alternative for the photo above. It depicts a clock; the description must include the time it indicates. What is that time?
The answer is 1:06
